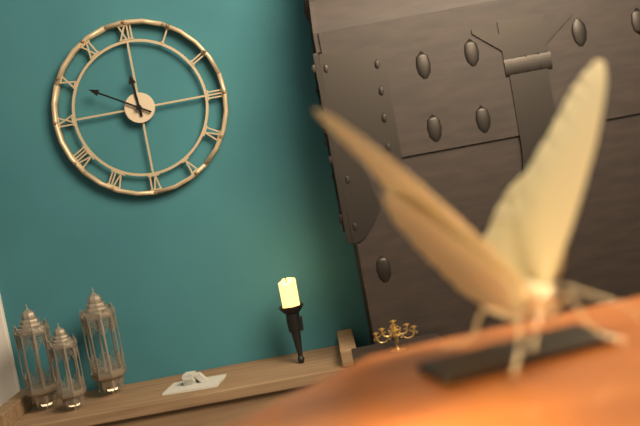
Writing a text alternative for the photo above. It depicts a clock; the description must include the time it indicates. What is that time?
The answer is 11:50
